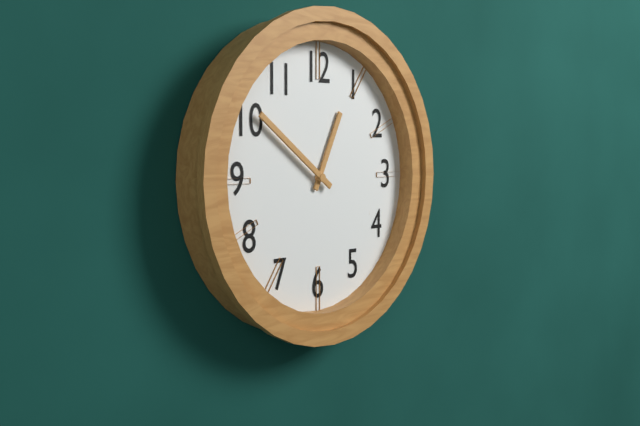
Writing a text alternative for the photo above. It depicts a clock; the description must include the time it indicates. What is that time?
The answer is 12:51
